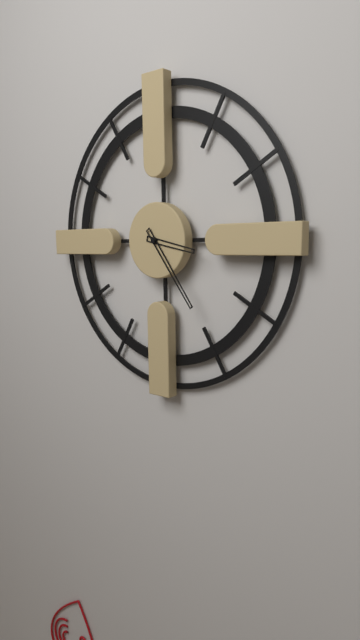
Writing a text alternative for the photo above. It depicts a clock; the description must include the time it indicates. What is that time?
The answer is 3:24
